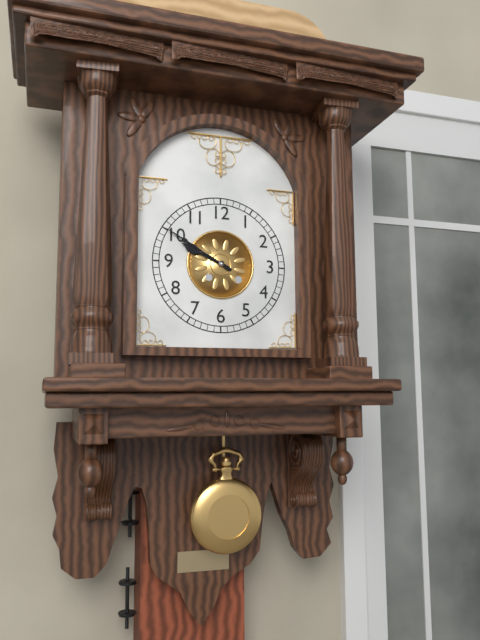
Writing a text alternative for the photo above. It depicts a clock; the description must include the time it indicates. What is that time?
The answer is 9:50
